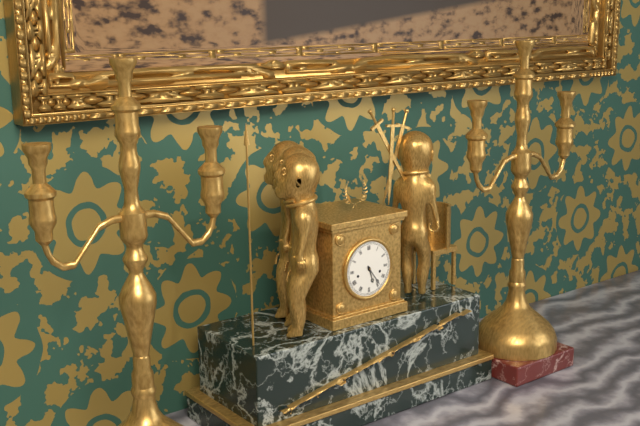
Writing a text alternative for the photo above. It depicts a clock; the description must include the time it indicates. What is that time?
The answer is 5:24
